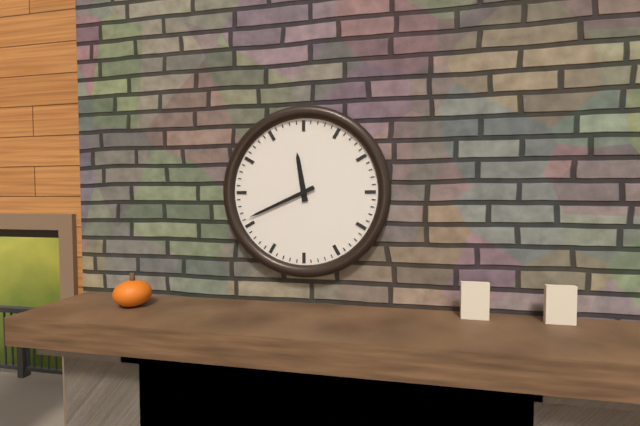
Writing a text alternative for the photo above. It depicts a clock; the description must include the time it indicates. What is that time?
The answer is 11:41
